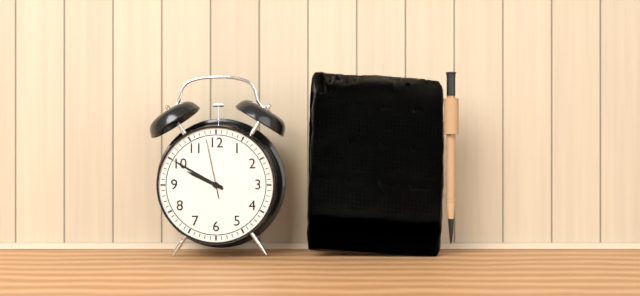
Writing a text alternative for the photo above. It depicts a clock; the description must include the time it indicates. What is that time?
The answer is 9:50:58
